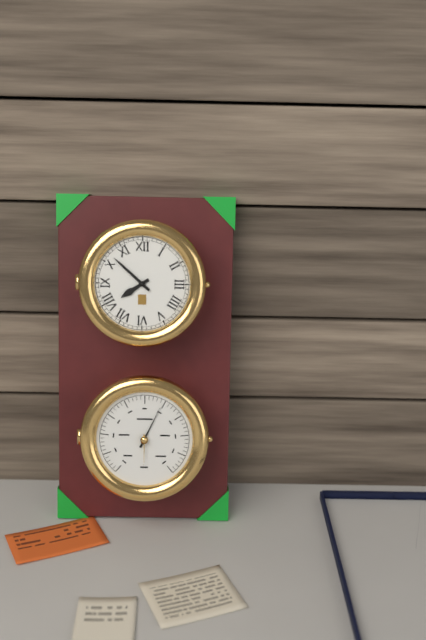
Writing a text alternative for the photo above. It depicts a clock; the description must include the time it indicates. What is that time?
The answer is 7:52
